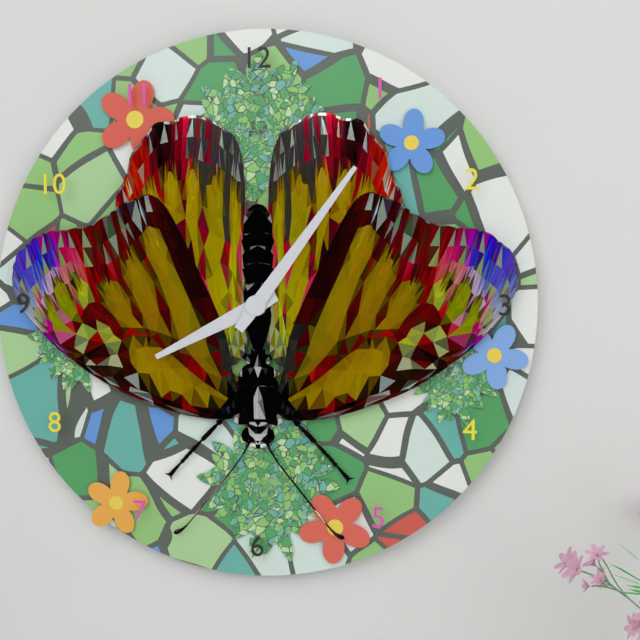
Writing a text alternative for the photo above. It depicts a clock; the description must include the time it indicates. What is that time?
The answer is 8:06
